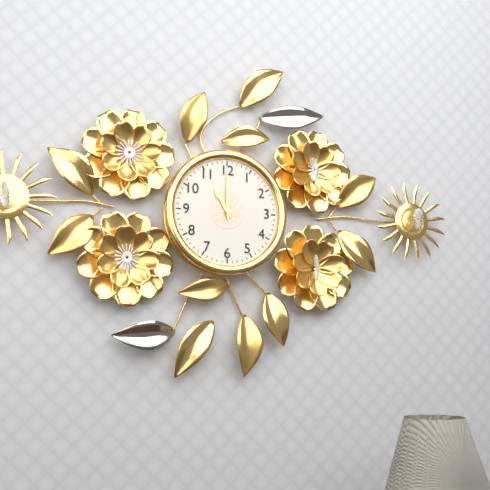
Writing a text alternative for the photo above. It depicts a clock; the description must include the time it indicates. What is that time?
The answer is 11:00
